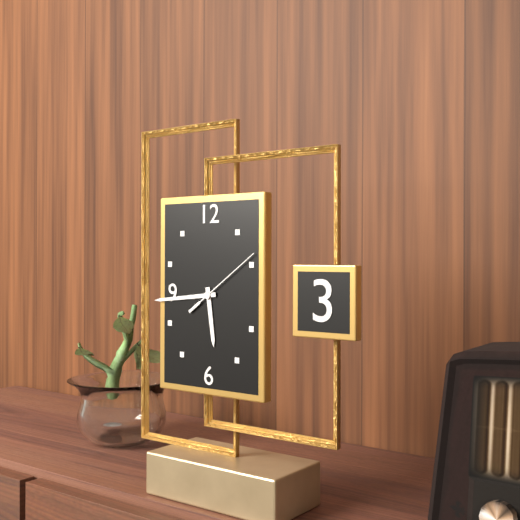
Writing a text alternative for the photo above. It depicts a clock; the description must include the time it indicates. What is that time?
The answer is 5:44:09
